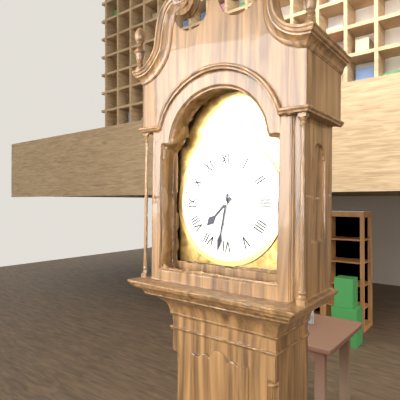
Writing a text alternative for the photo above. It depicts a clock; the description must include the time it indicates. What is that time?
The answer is 7:32
